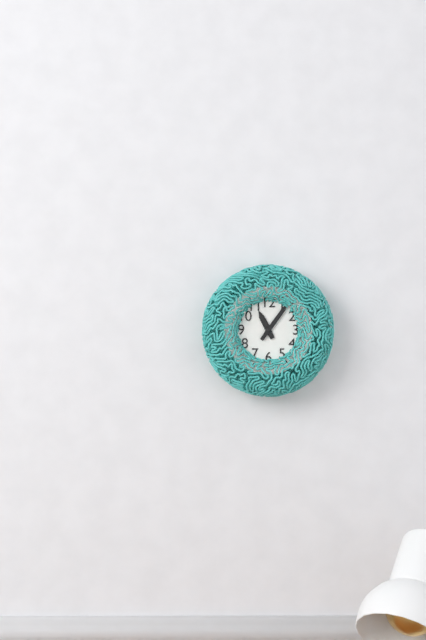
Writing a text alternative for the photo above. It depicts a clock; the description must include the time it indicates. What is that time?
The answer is 11:06
